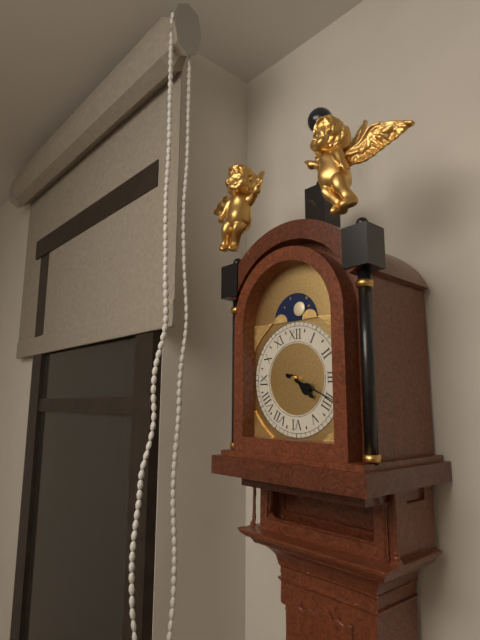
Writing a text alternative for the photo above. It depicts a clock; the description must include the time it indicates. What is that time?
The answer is 4:19
